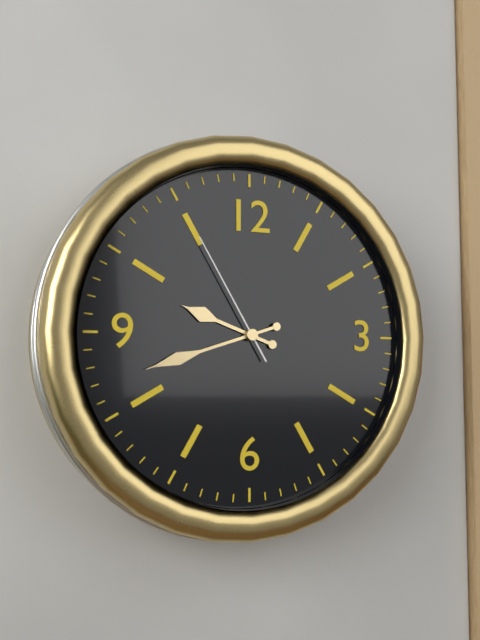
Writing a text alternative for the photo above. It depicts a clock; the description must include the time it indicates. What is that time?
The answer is 9:42:55
